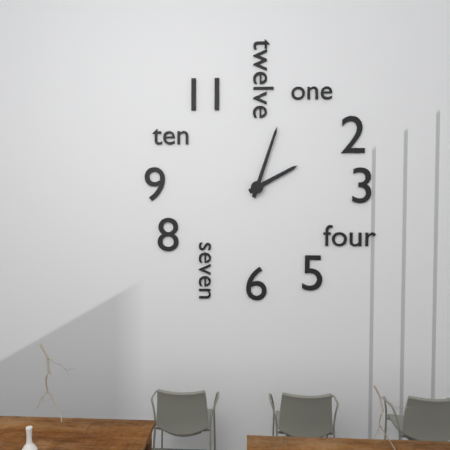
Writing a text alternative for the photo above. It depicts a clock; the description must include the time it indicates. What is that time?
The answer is 2:03
